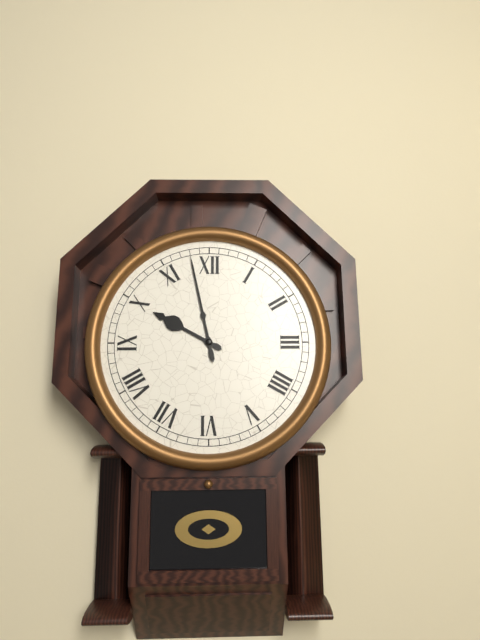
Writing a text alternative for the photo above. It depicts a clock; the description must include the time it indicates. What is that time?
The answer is 9:58
